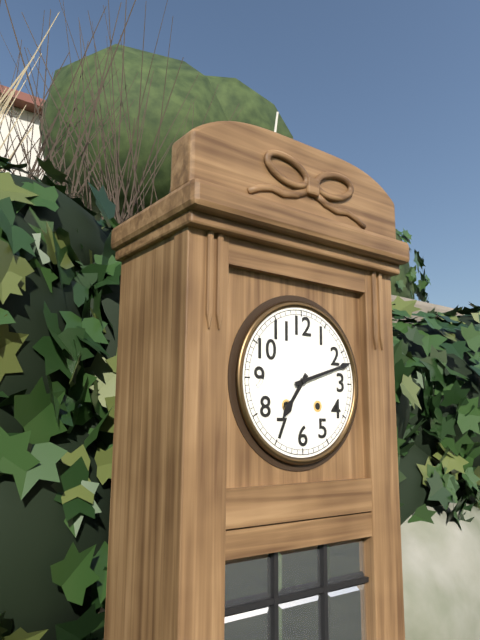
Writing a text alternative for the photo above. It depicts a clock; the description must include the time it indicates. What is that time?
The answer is 7:12
